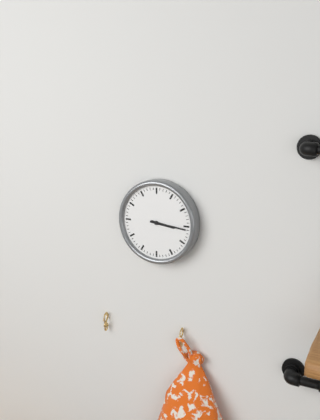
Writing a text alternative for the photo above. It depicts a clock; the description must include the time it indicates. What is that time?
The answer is 3:16
